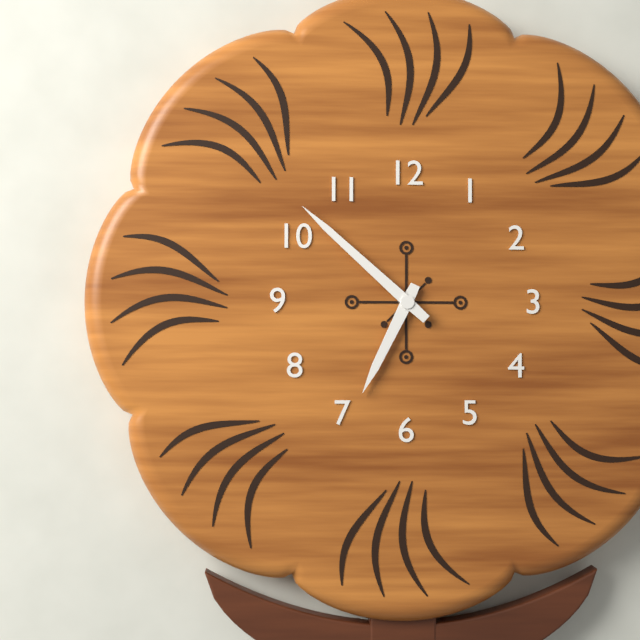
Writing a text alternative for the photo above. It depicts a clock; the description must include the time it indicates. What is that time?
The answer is 6:52
